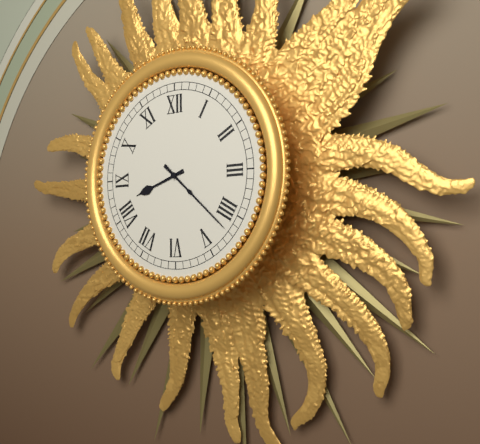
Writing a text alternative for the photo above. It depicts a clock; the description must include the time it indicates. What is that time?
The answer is 8:22
